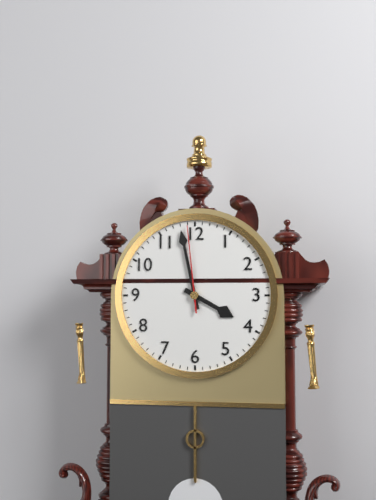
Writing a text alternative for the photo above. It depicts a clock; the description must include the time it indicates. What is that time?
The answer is 3:58:59
